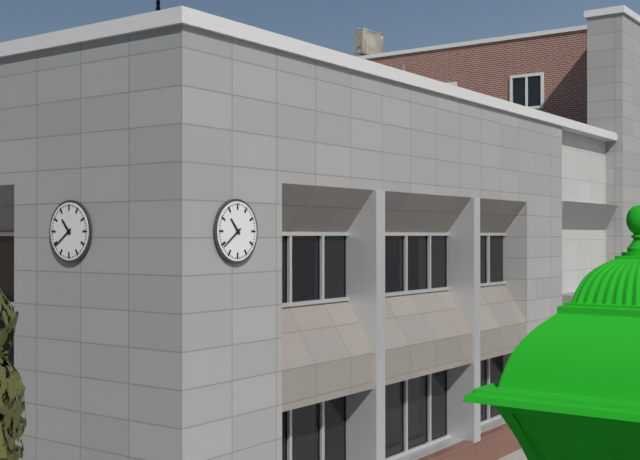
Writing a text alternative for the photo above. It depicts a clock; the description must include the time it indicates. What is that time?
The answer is 10:39
